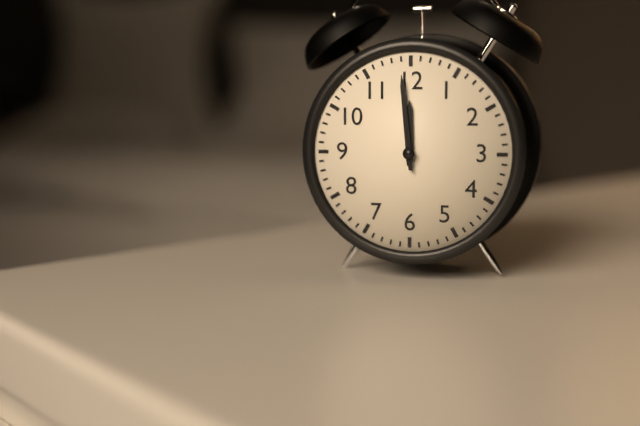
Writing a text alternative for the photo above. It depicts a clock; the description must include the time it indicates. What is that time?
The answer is 11:59
